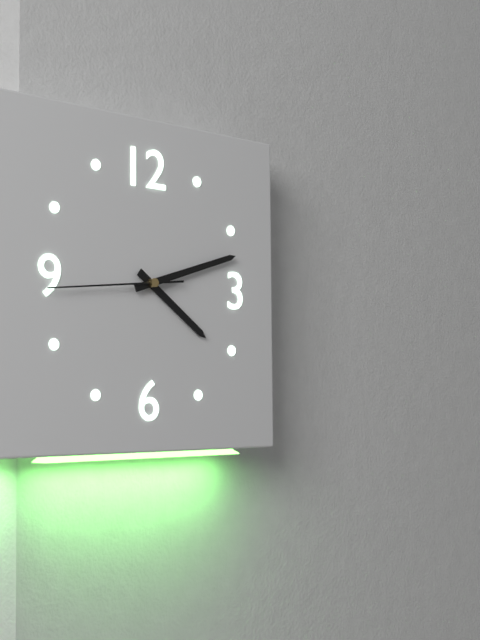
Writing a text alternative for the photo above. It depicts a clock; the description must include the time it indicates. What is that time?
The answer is 4:12:44
